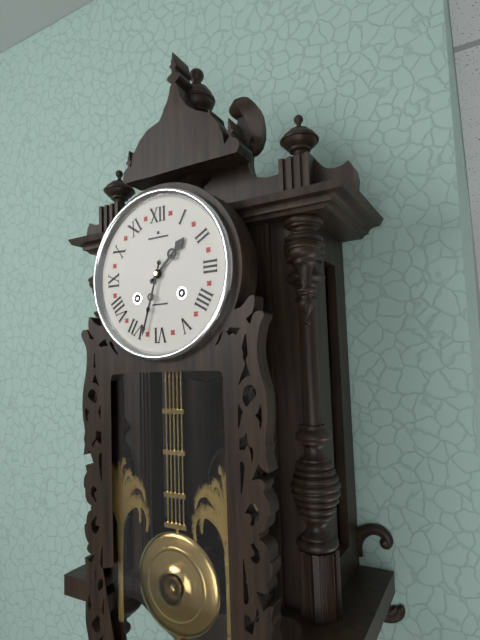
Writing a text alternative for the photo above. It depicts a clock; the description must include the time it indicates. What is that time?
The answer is 1:33
